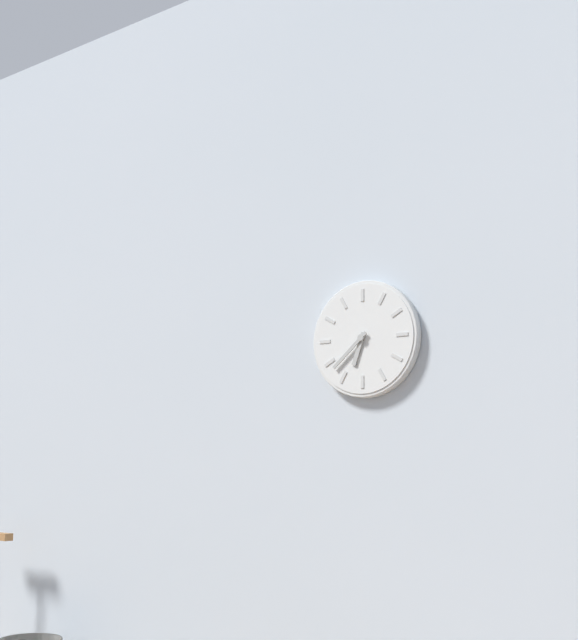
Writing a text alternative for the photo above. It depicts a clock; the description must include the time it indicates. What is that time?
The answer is 6:38
